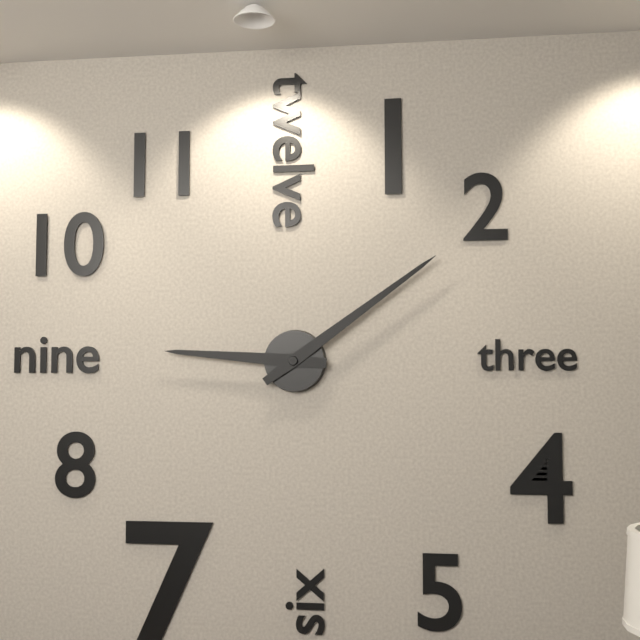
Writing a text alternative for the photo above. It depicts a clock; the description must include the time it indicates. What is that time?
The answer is 9:09
